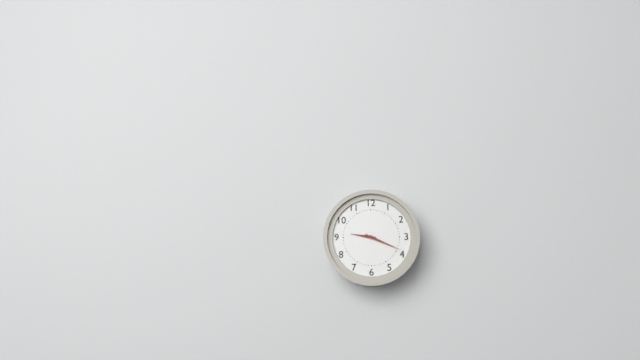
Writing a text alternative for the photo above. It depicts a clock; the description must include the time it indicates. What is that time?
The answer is 9:19
